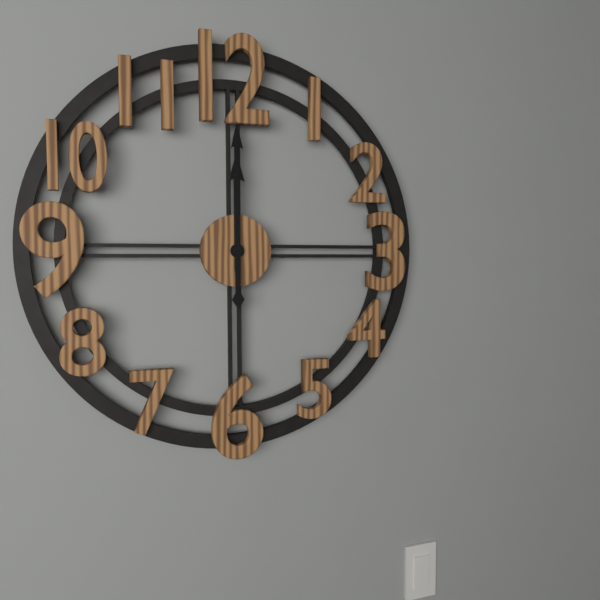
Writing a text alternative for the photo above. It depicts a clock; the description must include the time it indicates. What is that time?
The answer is 12:00
